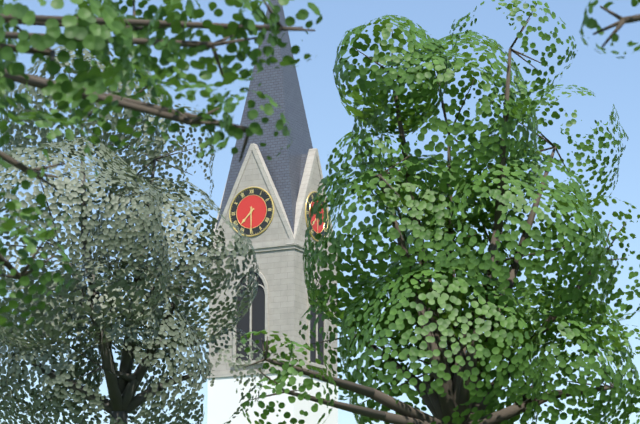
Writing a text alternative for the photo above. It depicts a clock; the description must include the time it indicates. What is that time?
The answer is 7:30
